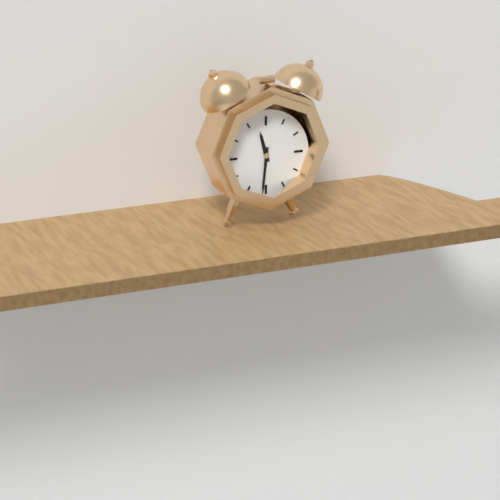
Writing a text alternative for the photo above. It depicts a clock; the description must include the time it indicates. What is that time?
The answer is 11:31
